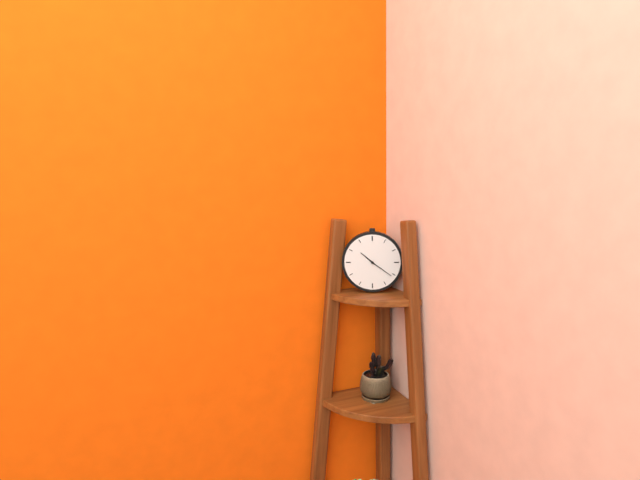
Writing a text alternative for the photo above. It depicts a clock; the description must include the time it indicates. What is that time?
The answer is 10:21
